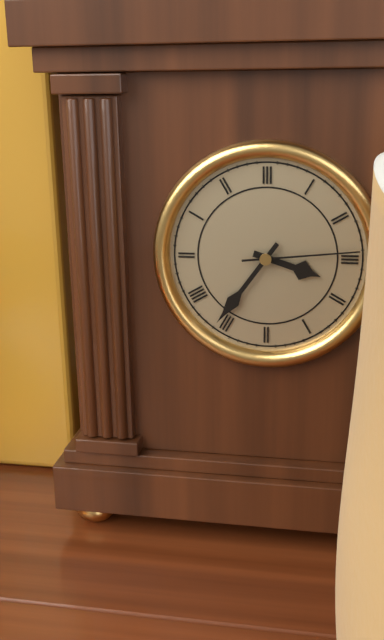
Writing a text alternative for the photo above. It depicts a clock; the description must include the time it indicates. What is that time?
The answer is 3:36:14
